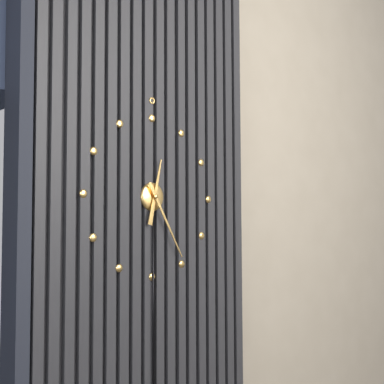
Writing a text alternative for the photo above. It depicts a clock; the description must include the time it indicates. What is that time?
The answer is 12:25
